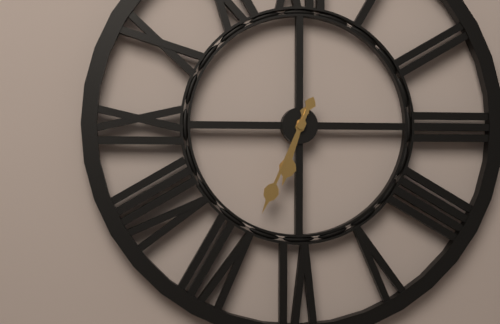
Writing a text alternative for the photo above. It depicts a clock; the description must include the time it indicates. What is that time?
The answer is 6:34
